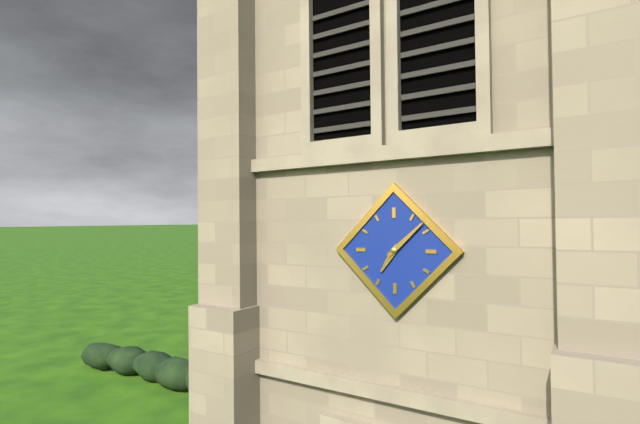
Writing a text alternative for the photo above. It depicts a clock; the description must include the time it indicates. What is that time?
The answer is 7:08
